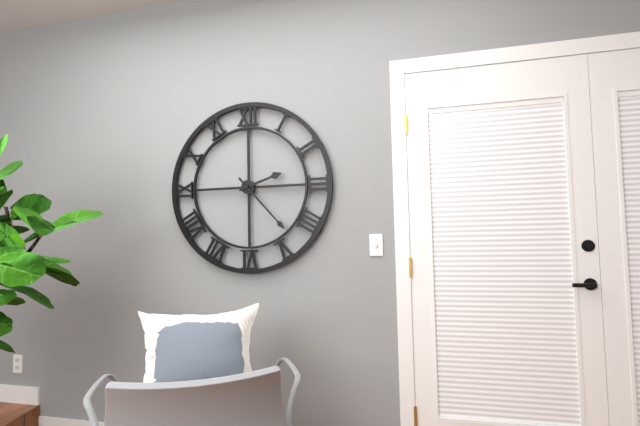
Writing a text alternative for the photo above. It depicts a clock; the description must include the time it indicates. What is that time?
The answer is 2:23
